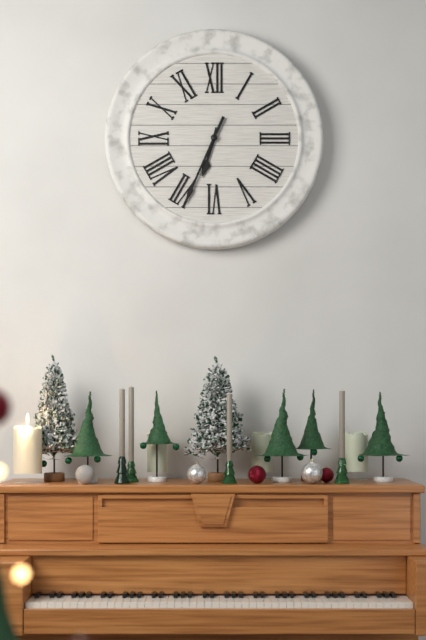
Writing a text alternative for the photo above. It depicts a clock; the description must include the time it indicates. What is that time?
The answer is 6:34
